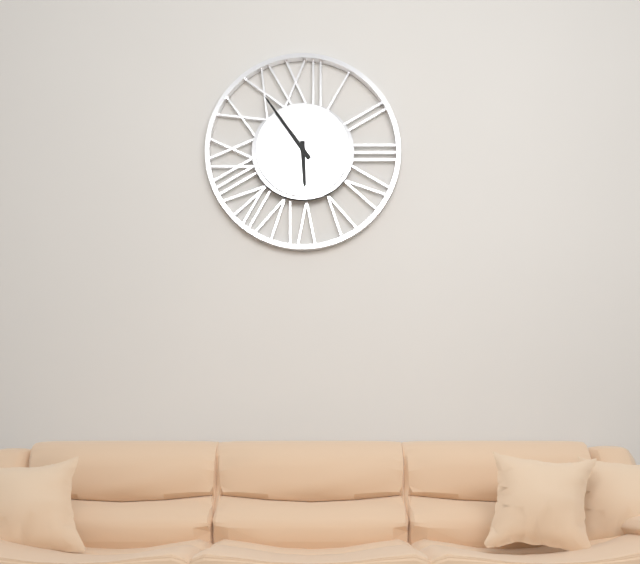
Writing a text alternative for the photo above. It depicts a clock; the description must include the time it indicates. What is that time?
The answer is 5:54
